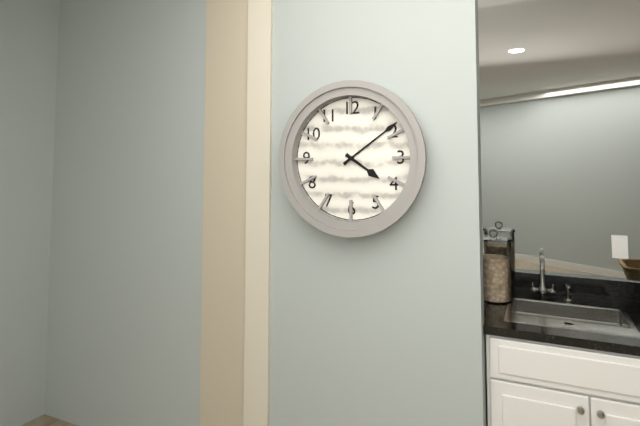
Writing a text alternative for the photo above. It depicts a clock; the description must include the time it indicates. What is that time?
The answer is 4:09
